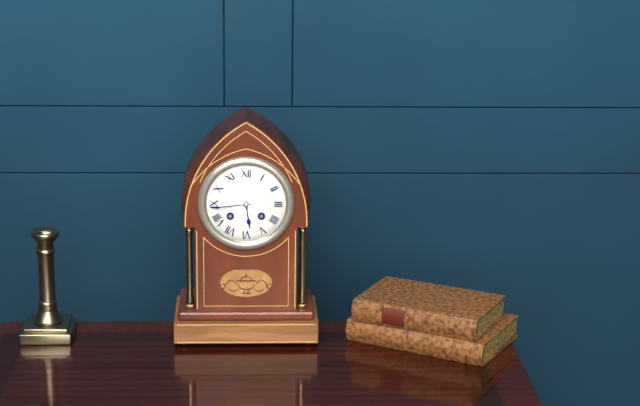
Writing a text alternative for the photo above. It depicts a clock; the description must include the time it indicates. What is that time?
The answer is 5:44
